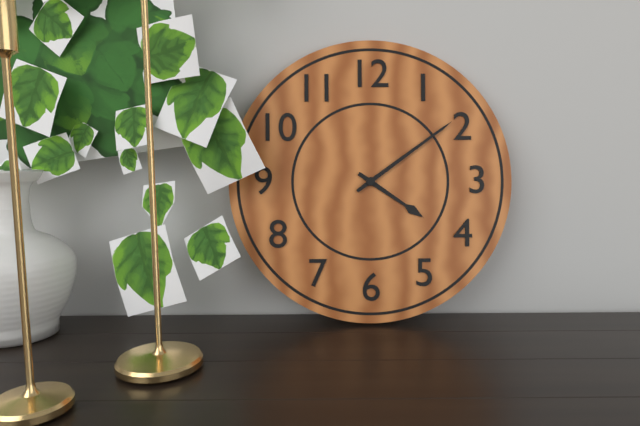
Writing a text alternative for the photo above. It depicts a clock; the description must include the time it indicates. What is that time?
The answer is 4:09
